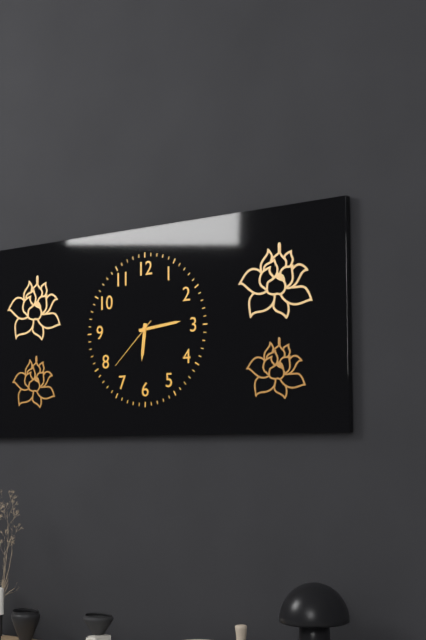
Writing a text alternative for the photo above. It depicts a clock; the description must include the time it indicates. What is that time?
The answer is 6:14:38
